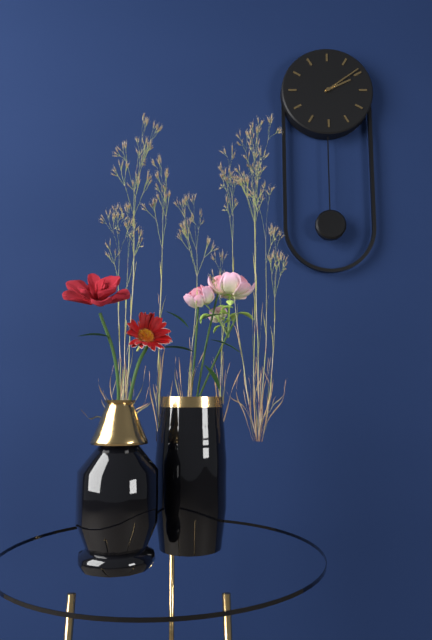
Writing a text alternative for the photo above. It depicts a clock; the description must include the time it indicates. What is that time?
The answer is 2:09
